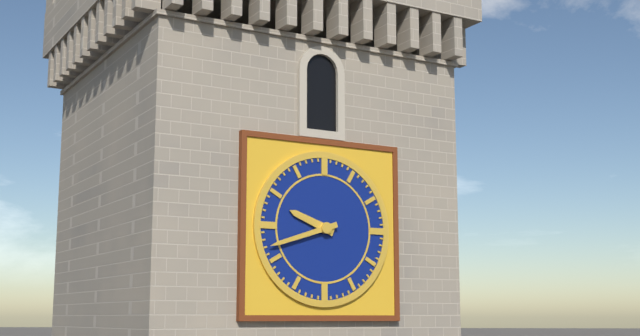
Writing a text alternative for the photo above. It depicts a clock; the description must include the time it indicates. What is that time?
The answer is 9:42
